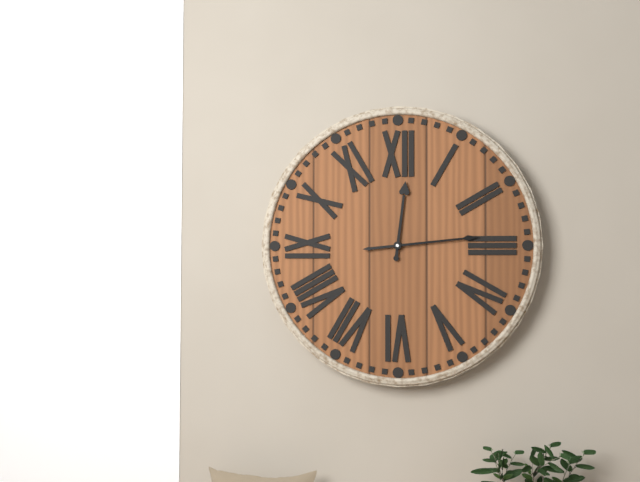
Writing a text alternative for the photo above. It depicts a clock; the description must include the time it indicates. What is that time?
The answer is 12:14
